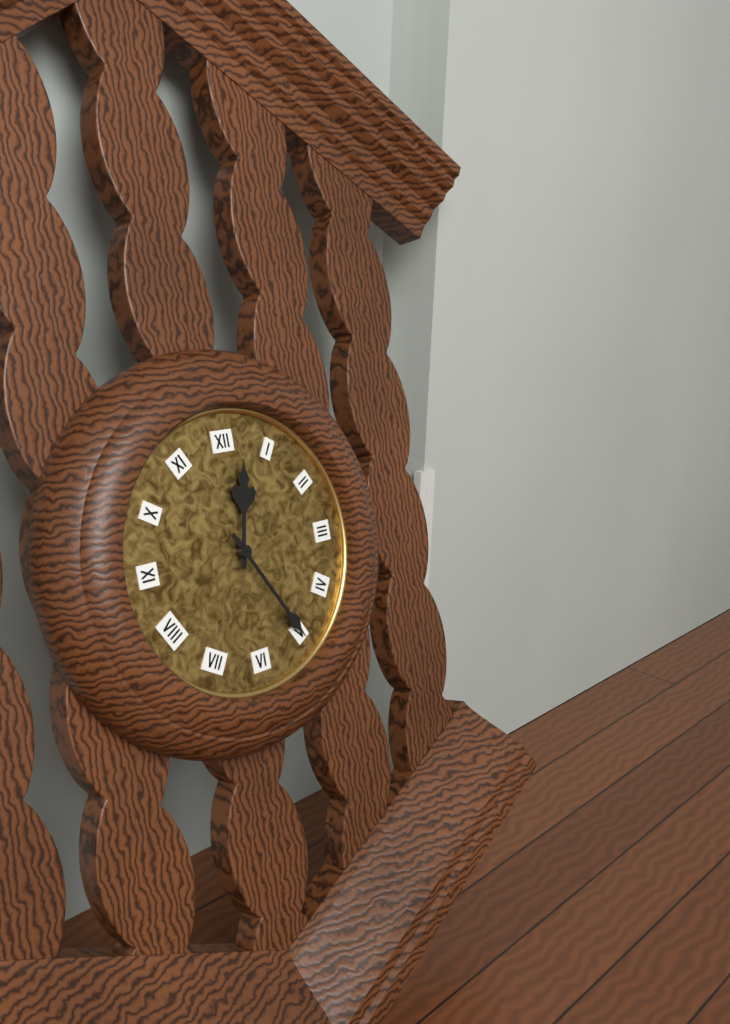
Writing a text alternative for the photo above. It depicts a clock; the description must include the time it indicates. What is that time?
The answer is 12:25
